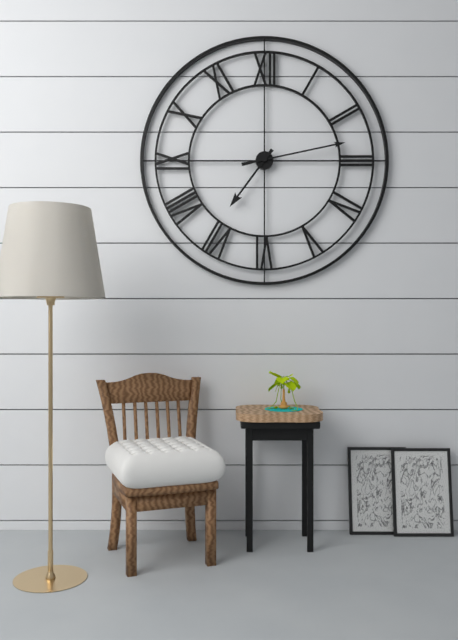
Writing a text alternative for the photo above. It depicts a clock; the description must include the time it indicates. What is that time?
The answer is 7:13
